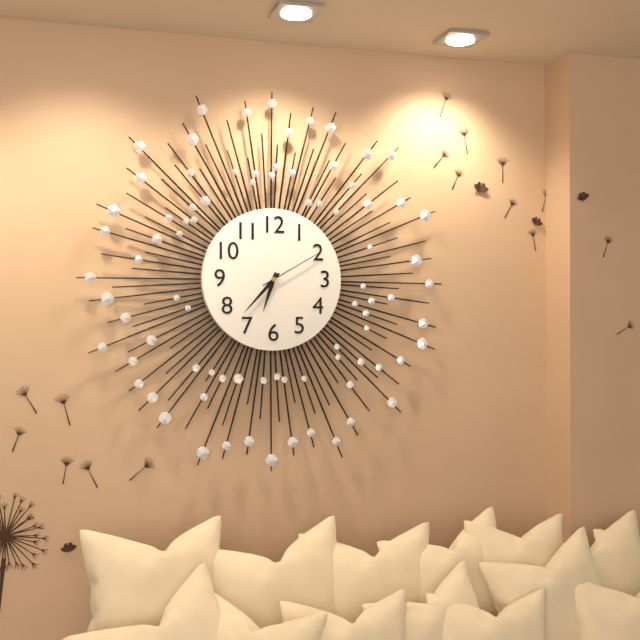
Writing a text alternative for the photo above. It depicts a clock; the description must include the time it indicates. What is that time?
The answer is 6:37:10
